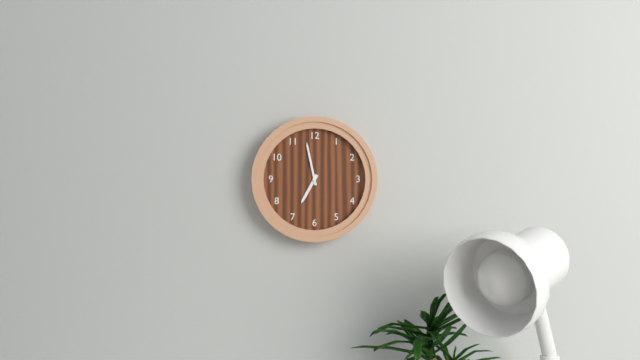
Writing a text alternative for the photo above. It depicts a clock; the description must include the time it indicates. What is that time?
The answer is 6:58
